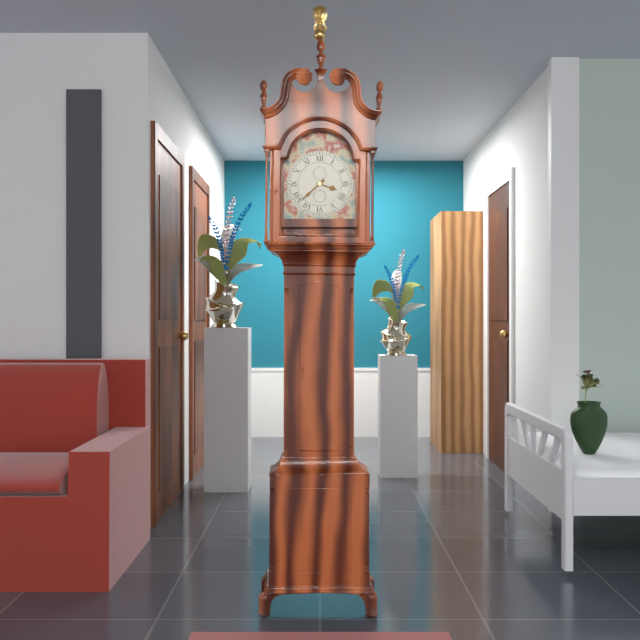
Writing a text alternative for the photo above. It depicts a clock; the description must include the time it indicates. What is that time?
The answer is 3:38
